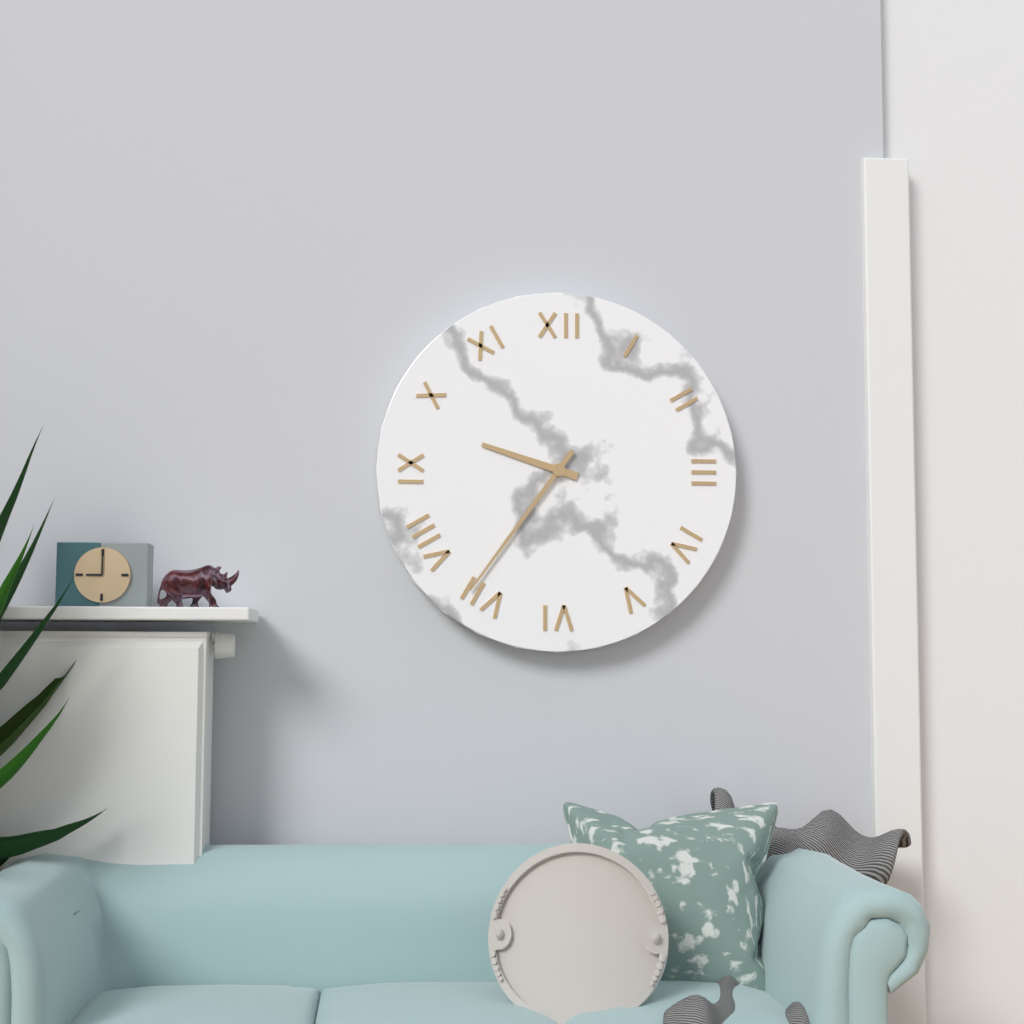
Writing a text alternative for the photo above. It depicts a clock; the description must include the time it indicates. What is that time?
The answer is 9:36
